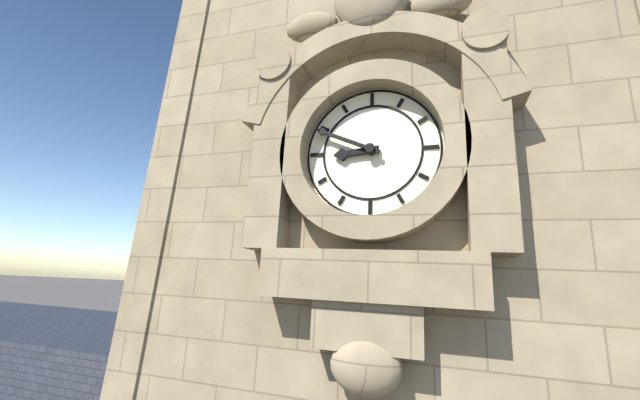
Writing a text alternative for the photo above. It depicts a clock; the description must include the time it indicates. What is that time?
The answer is 8:49
